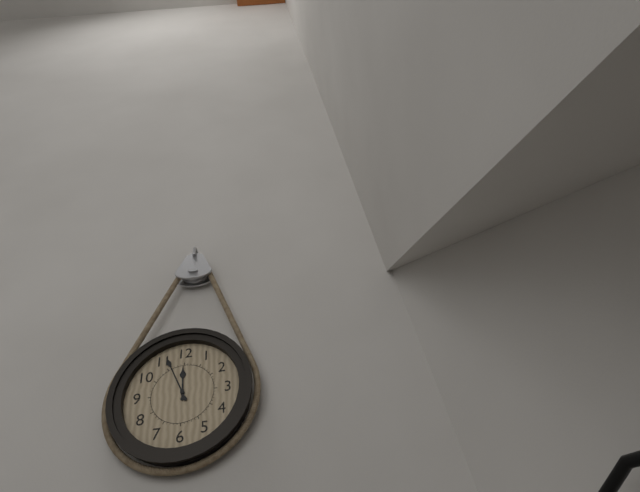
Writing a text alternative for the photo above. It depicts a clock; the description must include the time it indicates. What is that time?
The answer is 11:56
